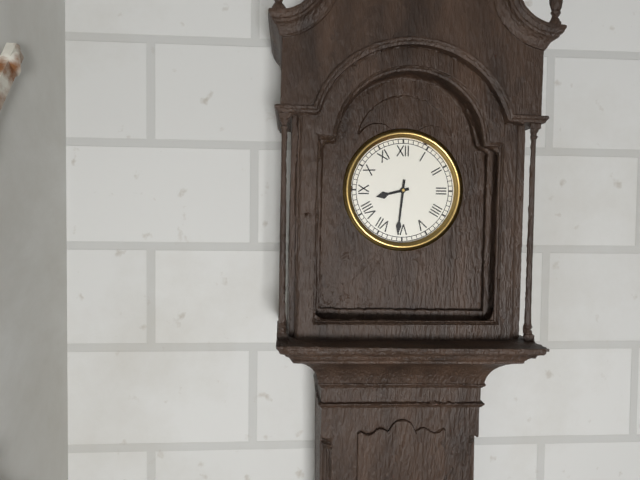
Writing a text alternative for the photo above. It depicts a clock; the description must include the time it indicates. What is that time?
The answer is 8:31
